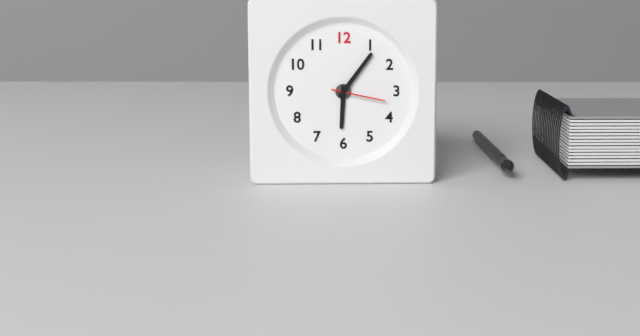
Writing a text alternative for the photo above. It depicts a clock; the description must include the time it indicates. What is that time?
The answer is 6:06:17
